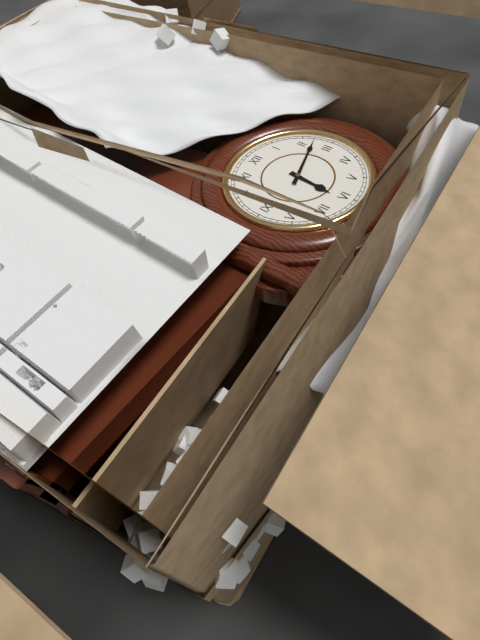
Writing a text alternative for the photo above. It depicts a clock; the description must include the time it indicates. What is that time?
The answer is 6:12
